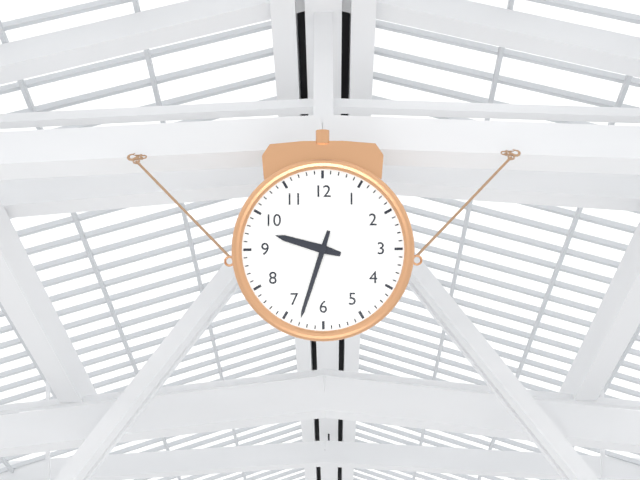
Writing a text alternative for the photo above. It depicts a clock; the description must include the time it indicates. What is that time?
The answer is 9:33
